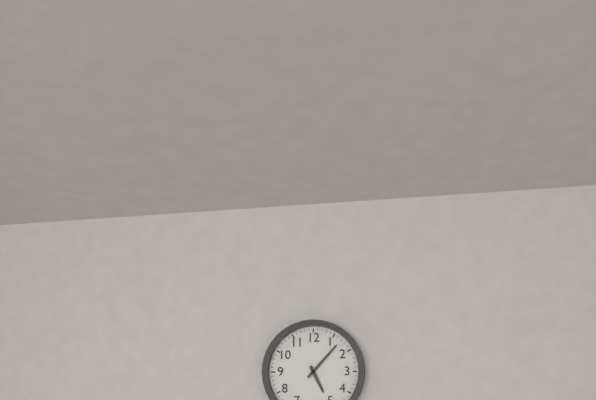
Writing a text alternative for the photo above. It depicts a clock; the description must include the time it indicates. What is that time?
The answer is 5:07
